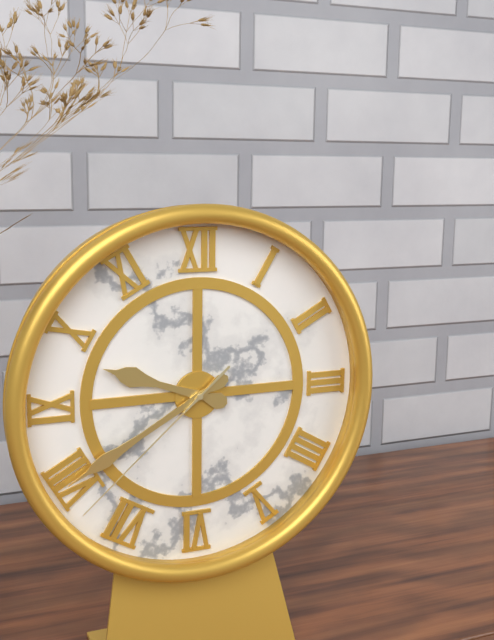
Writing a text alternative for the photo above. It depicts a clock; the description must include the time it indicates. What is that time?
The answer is 9:40:38
